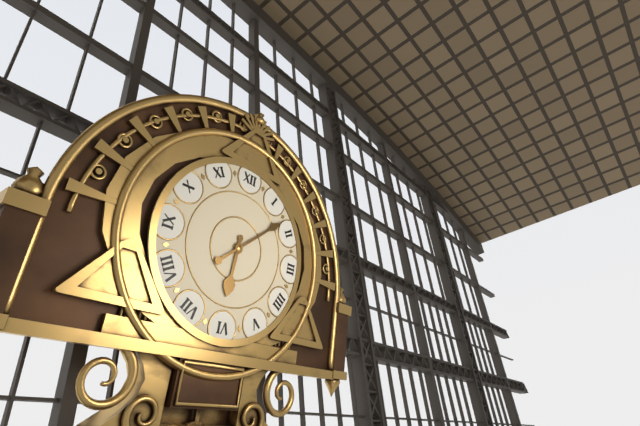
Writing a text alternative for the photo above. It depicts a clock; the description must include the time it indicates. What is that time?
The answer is 6:08
